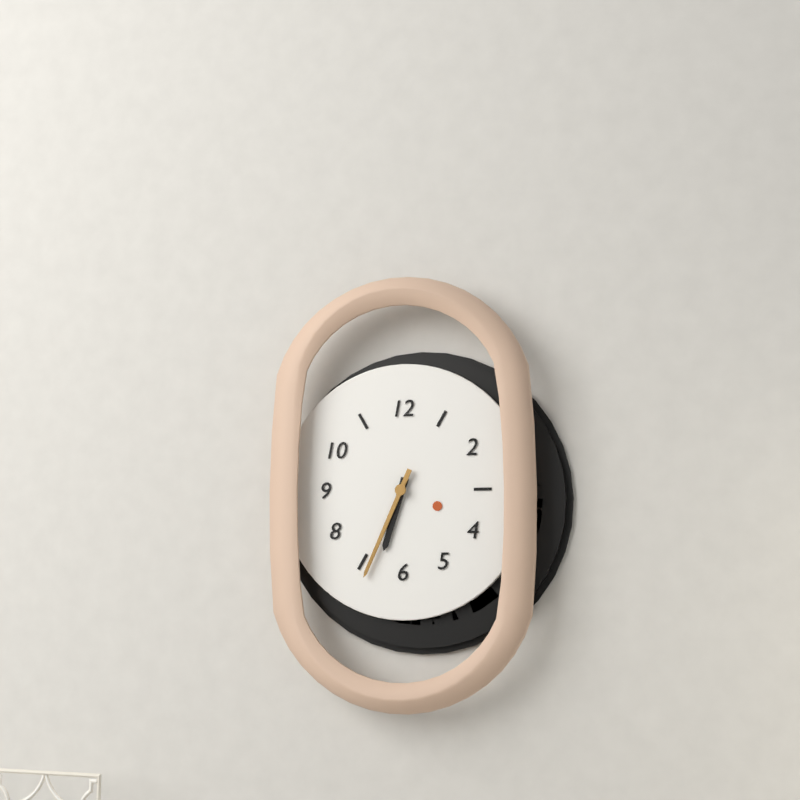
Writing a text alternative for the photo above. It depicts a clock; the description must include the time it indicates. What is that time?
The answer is 6:34
